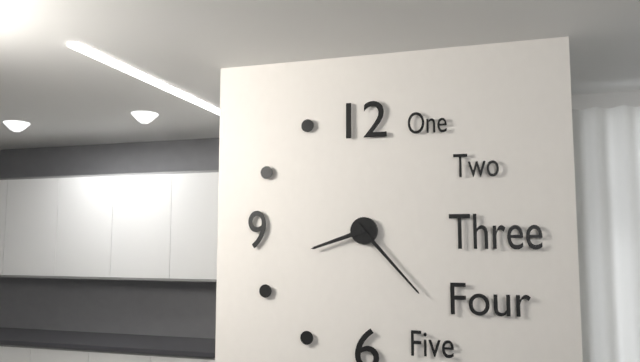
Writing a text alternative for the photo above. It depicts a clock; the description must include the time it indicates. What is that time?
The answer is 8:23
